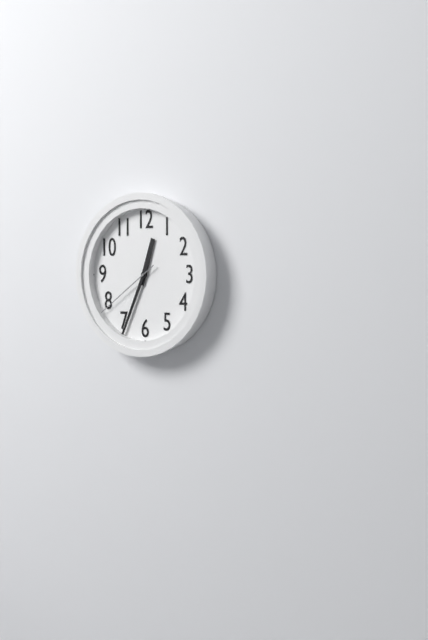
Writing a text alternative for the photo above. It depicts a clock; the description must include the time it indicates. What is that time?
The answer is 12:34:39
